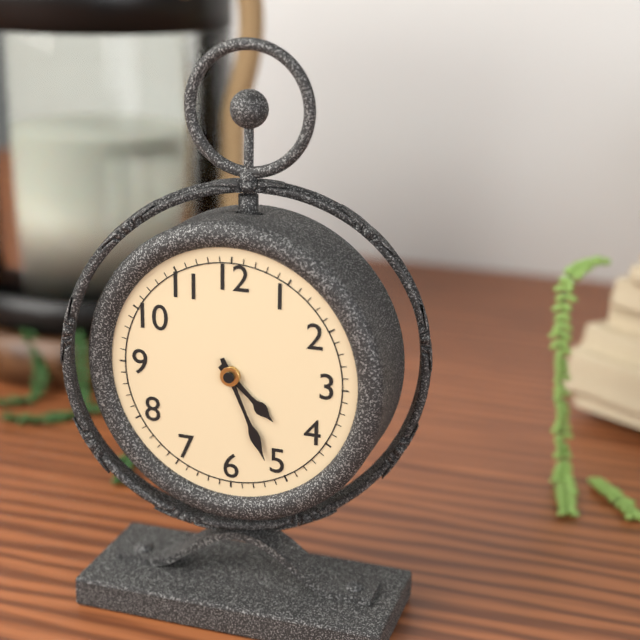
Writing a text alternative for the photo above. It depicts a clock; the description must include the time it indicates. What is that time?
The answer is 4:26
